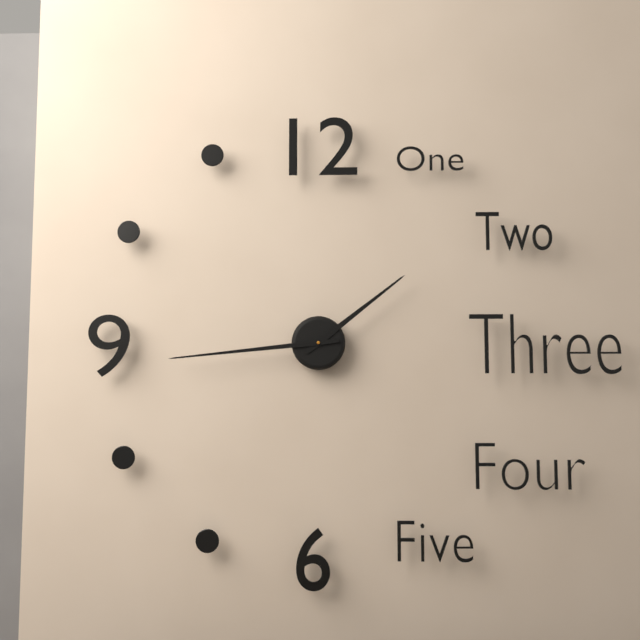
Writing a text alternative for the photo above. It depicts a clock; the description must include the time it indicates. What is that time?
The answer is 1:44
